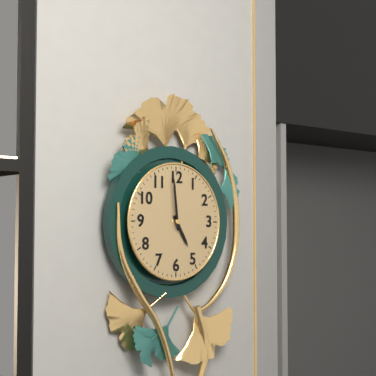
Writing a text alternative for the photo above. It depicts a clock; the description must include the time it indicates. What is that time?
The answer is 4:59
